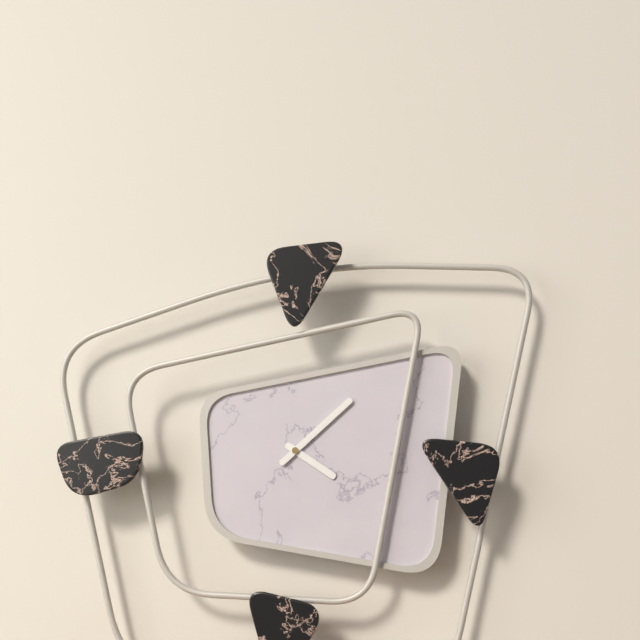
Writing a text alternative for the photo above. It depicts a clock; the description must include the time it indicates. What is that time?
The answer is 4:08
